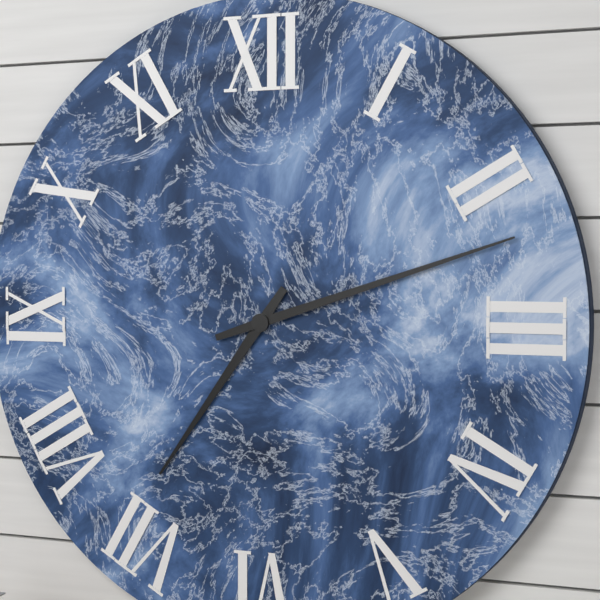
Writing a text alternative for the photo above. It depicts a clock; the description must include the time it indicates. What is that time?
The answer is 7:12
